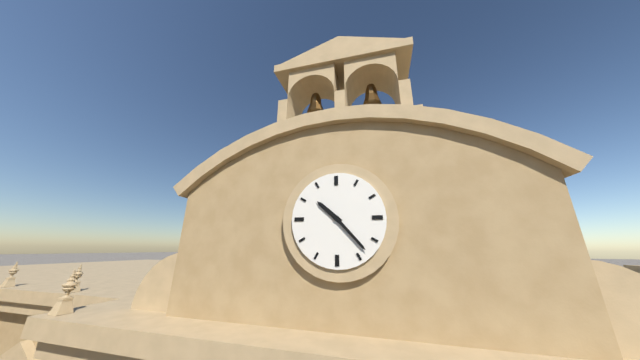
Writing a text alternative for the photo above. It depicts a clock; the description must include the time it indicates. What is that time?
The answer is 10:23
